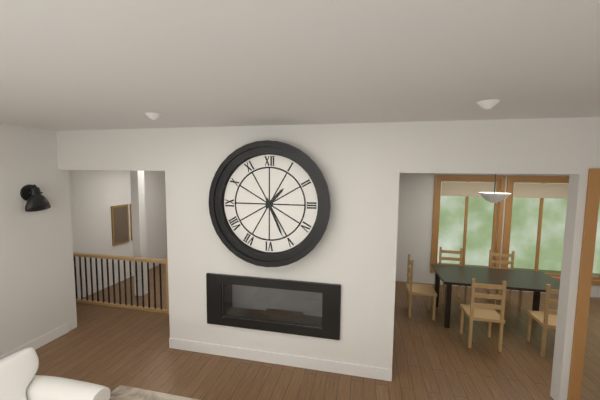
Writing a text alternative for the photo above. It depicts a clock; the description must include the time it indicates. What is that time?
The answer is 1:26
